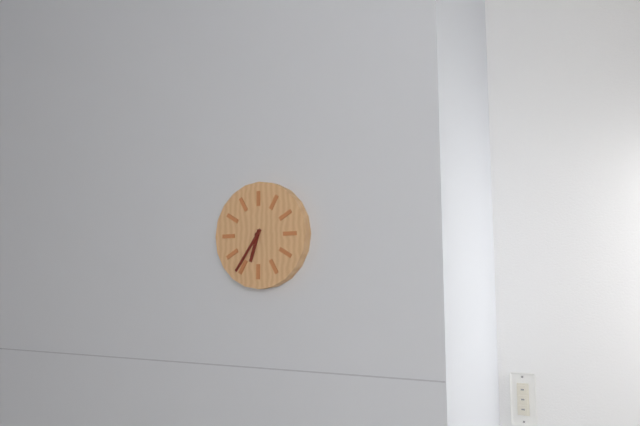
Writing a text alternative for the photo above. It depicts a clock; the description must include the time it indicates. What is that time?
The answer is 6:36
